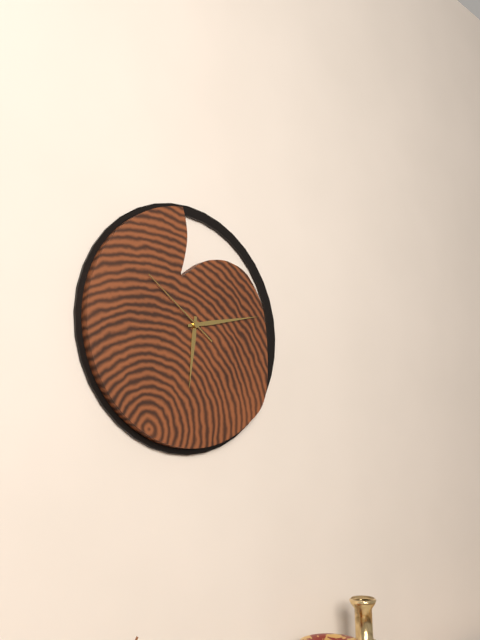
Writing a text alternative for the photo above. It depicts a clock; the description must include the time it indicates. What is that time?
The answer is 6:13:51
